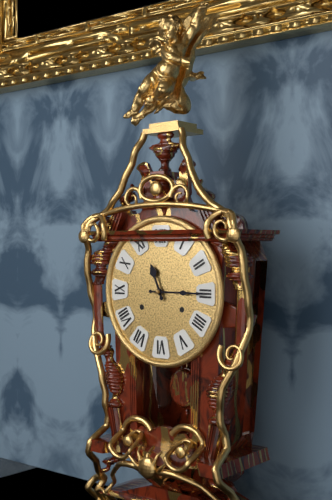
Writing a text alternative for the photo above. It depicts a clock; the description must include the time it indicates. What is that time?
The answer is 11:15
